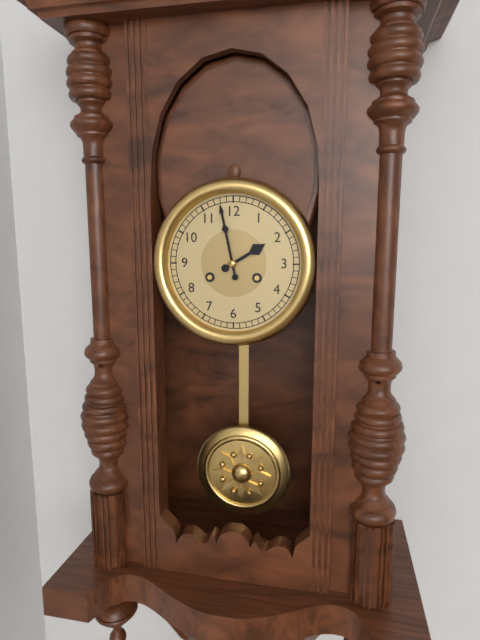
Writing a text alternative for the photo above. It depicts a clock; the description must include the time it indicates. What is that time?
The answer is 1:58
